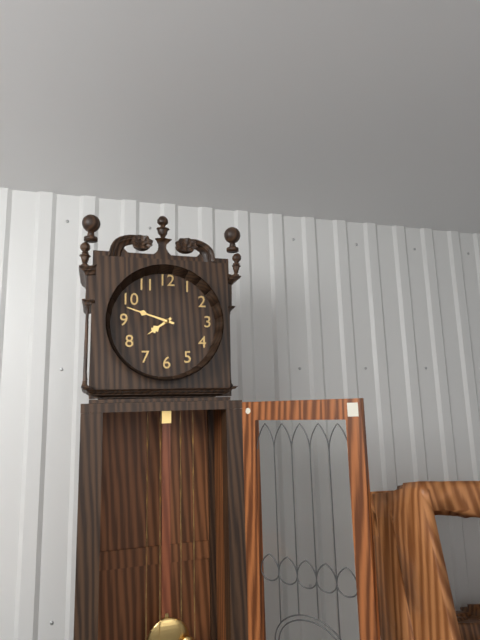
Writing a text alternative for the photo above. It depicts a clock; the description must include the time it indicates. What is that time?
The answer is 7:48
